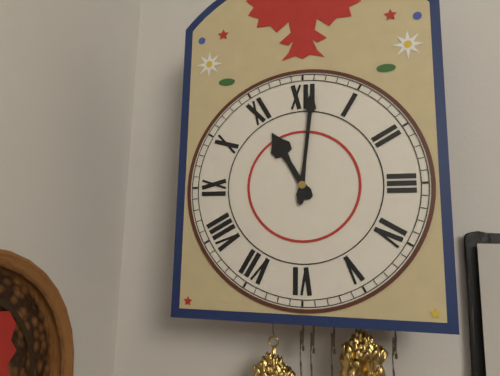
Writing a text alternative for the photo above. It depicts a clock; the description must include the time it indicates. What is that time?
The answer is 11:01
